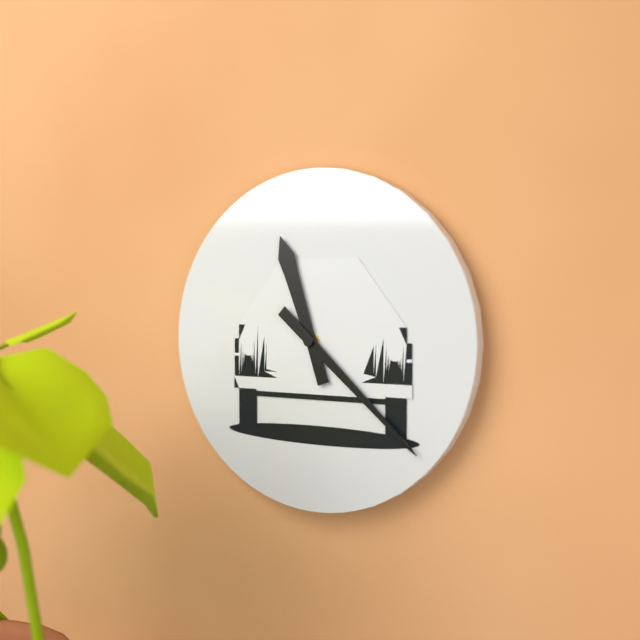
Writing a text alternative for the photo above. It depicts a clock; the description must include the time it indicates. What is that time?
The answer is 11:22
